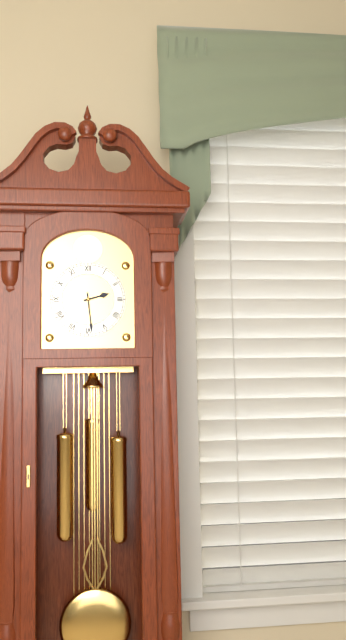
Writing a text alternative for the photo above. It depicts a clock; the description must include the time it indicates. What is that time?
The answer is 2:29
